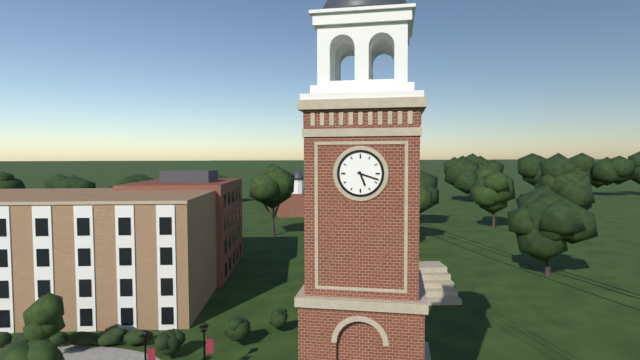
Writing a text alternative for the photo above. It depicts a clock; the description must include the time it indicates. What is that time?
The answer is 5:18
